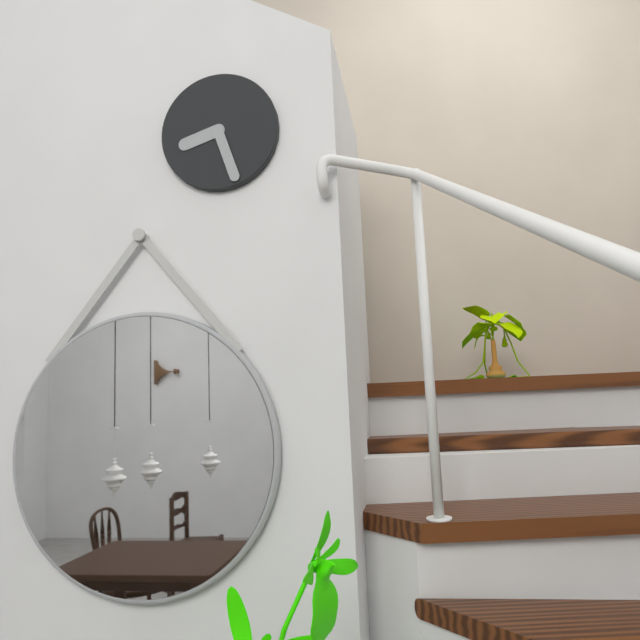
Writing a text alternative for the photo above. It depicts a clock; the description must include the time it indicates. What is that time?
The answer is 8:27
